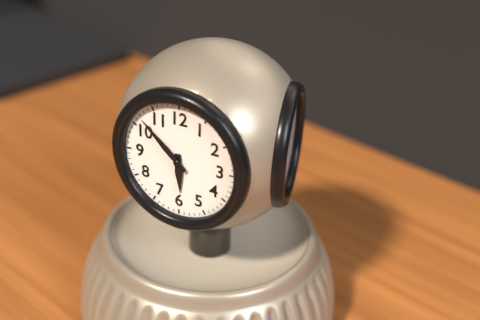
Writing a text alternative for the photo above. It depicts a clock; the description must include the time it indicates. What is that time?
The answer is 5:52
